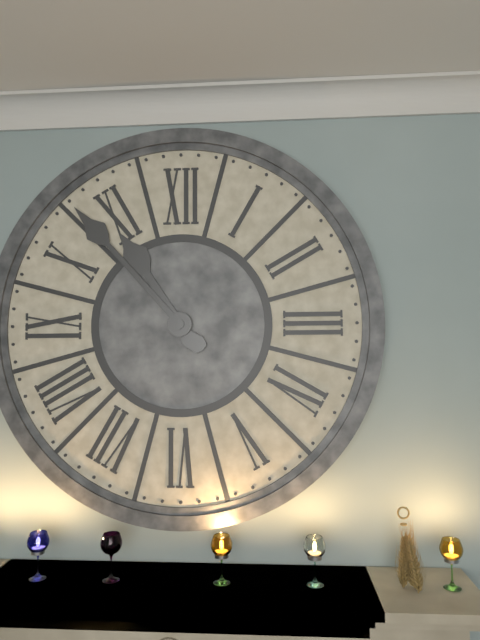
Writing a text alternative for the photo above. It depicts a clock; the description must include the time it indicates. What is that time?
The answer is 10:53
